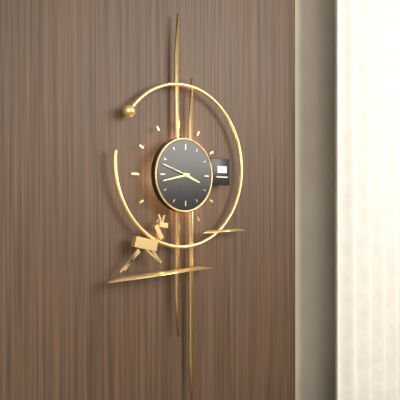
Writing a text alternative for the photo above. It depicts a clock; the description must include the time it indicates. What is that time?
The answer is 3:43
